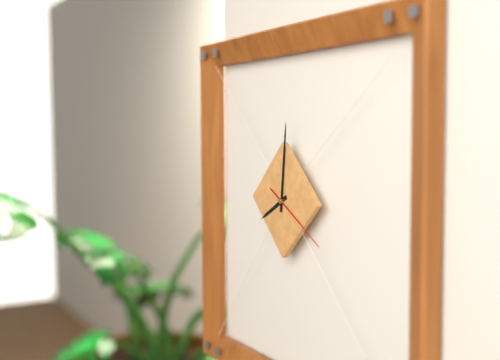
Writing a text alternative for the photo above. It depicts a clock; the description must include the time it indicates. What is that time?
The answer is 8:01:20
